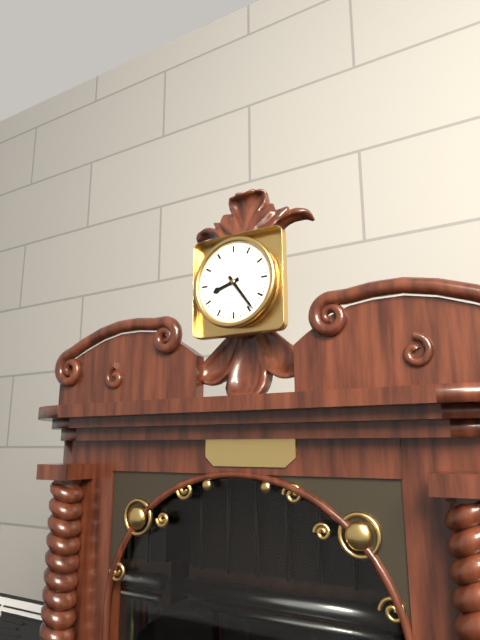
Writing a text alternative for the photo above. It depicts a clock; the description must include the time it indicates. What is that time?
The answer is 8:24
